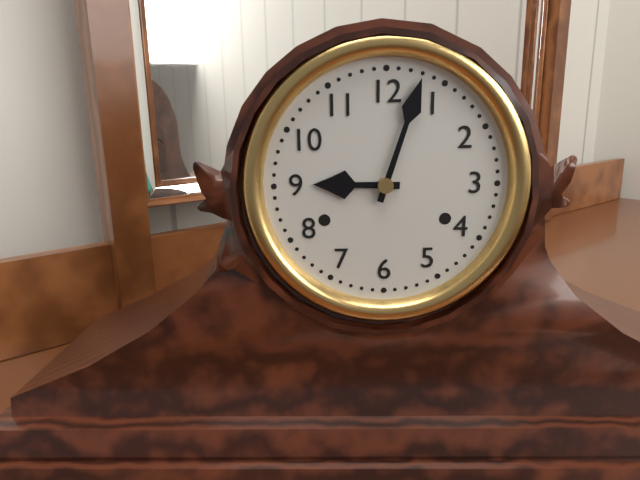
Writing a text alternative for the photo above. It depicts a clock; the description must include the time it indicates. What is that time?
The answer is 9:03
